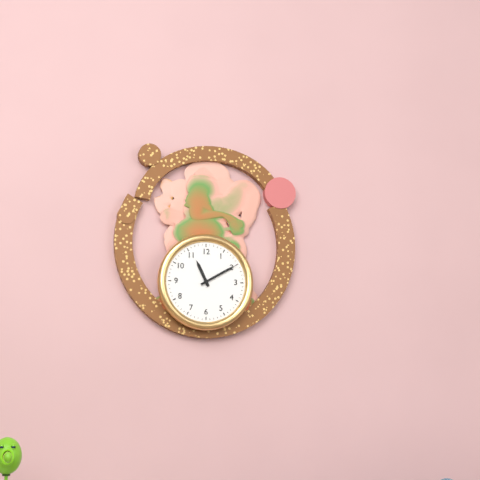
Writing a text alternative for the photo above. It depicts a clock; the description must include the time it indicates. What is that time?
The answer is 11:10
